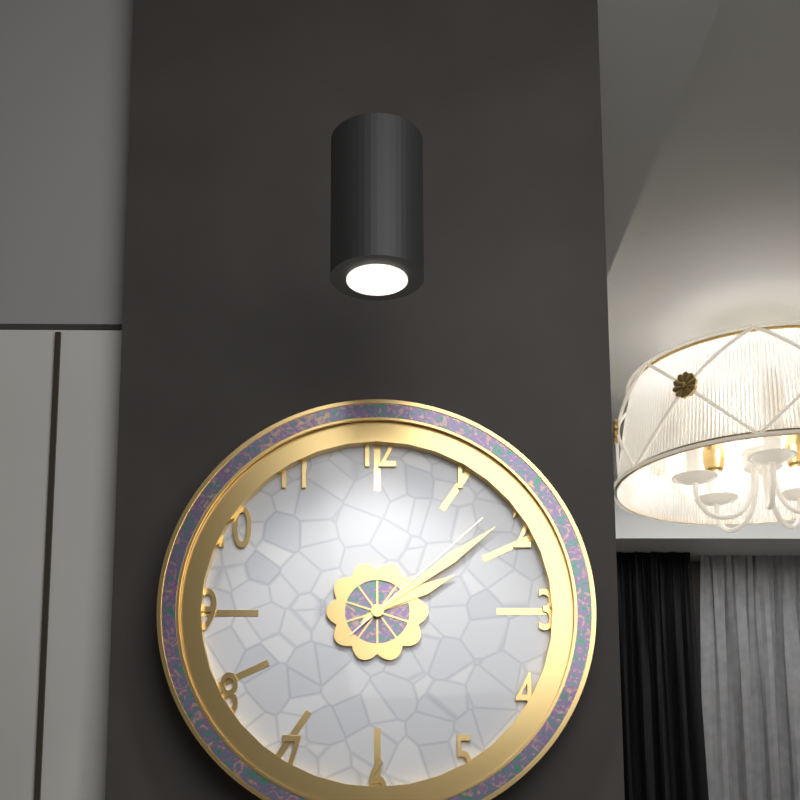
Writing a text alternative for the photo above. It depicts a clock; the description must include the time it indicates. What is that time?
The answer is 2:09:08
